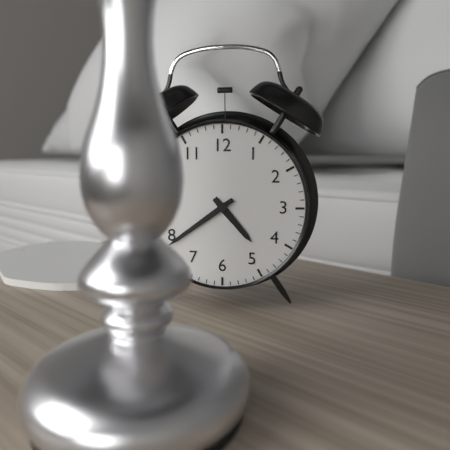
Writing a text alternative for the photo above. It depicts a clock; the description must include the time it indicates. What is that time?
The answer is 4:39
